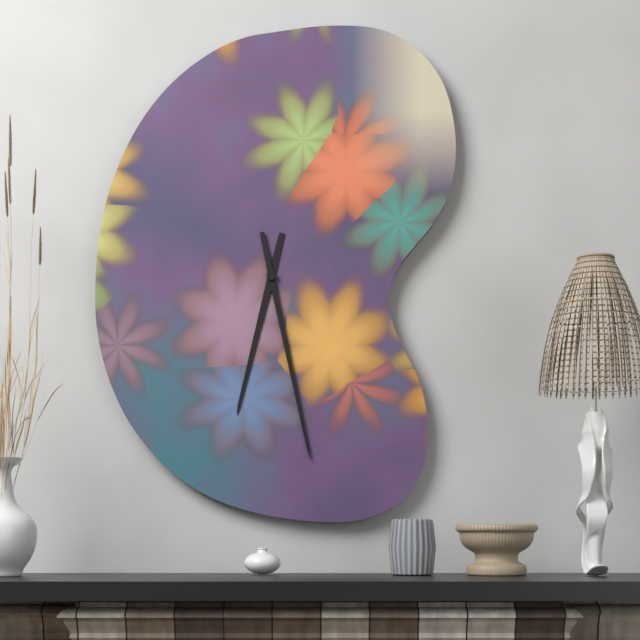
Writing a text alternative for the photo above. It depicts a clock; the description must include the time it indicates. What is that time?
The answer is 6:28
